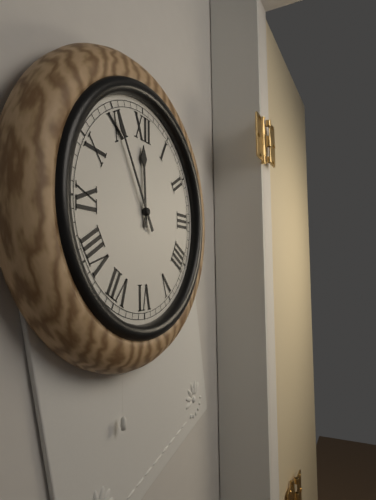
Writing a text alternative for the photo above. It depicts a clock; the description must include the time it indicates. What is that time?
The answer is 11:55
